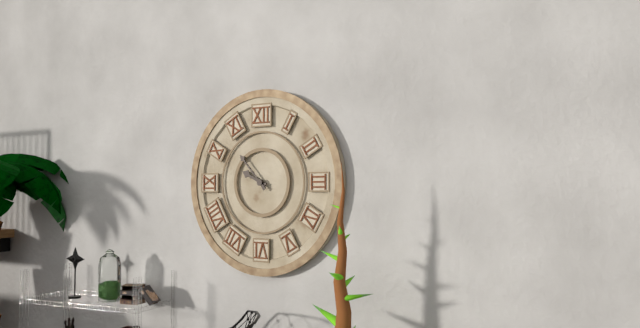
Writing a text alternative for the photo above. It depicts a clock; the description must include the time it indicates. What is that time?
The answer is 9:53
